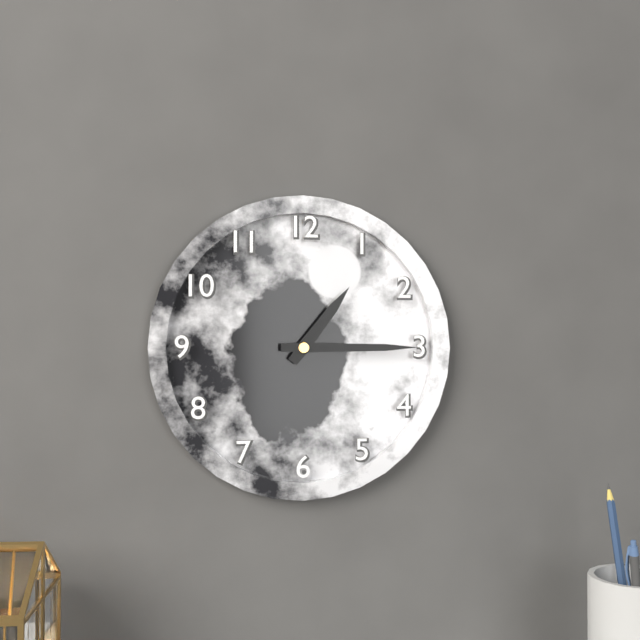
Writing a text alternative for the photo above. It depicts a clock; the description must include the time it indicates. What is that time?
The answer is 1:15
